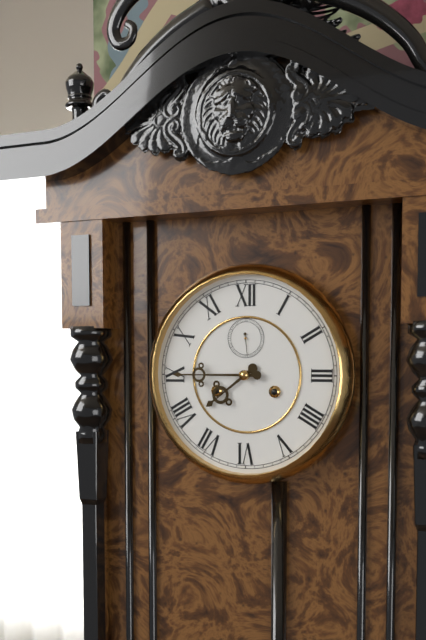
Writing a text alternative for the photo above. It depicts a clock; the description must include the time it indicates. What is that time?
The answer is 7:45
